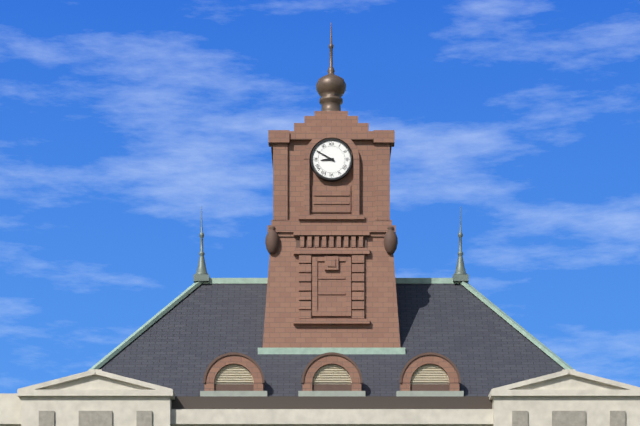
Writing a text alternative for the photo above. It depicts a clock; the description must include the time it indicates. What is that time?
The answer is 8:50
